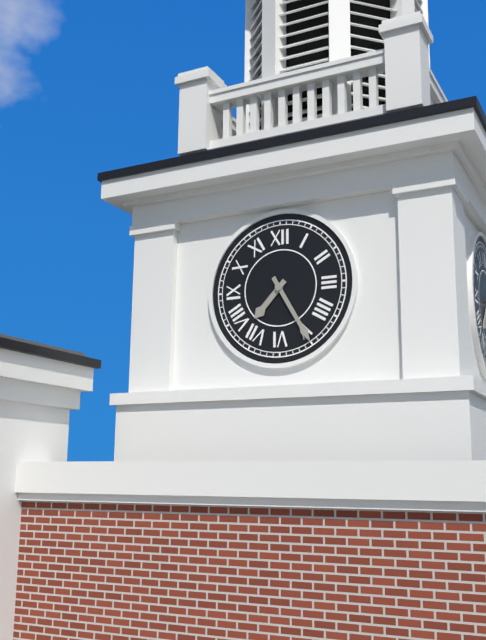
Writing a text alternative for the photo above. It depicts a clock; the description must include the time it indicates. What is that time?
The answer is 7:25
